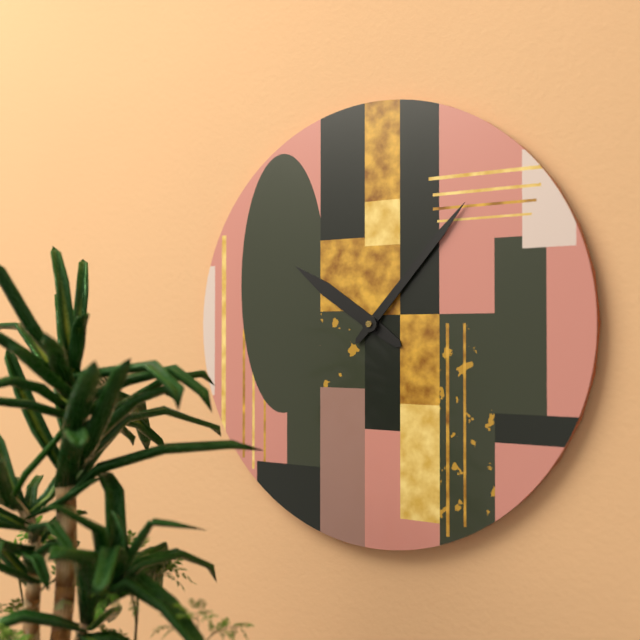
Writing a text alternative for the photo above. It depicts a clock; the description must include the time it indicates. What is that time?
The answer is 10:07
